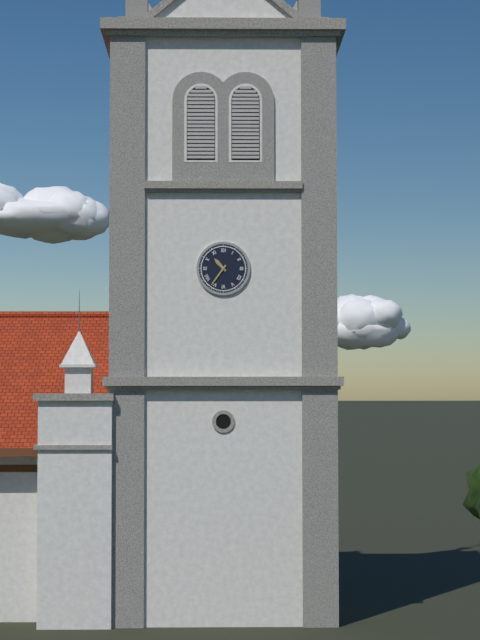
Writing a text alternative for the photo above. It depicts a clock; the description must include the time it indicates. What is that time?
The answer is 10:36
